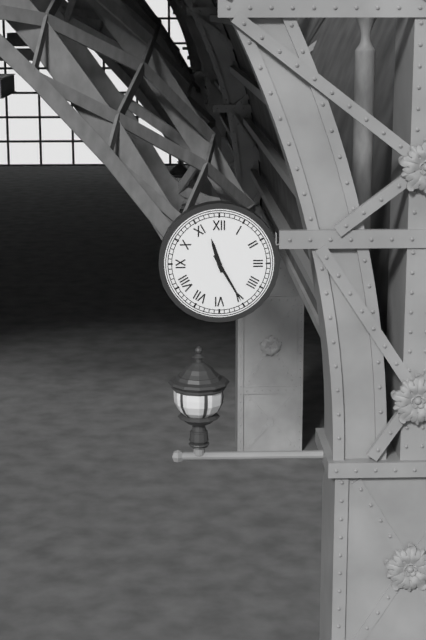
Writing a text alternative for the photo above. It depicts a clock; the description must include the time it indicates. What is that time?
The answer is 11:25
